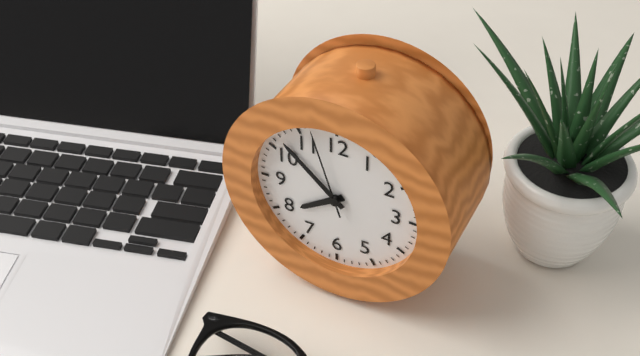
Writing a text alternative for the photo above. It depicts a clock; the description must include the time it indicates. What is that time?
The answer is 7:52:57
